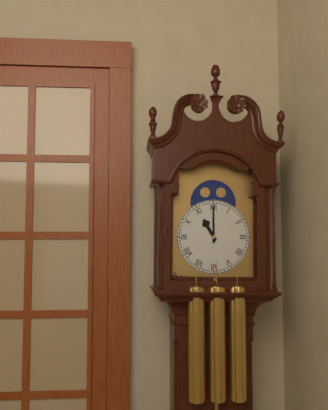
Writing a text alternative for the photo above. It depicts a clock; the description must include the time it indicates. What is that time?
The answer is 11:00
